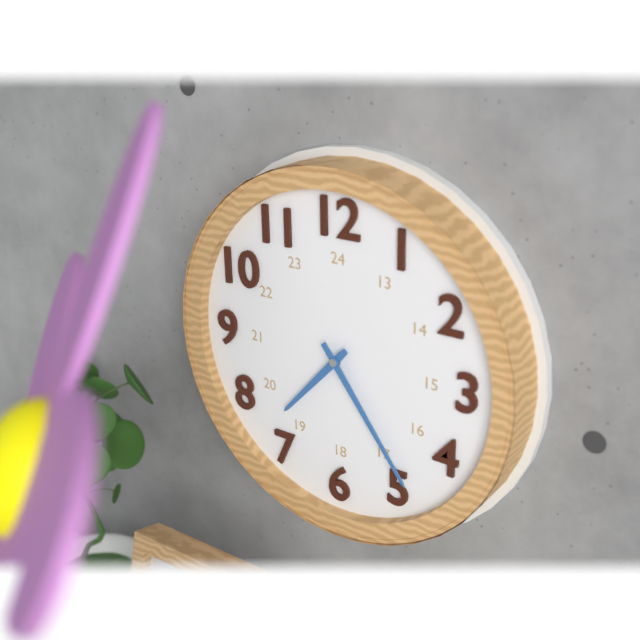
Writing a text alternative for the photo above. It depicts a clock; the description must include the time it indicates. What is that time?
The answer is 7:24
